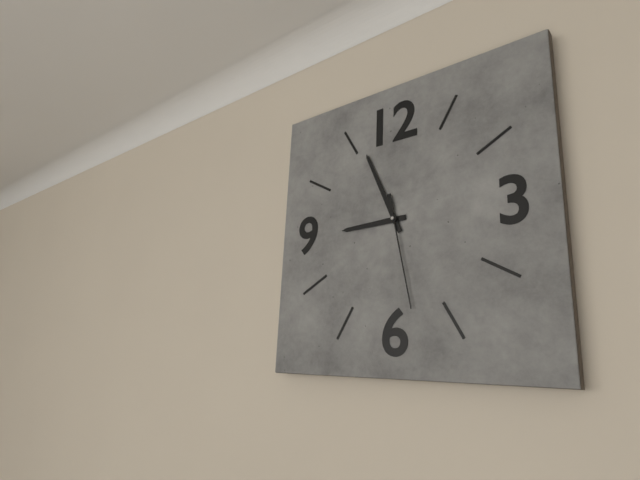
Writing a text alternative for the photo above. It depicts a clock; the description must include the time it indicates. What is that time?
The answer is 8:56:28
